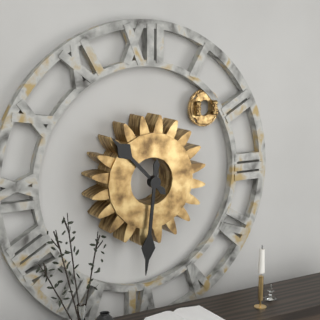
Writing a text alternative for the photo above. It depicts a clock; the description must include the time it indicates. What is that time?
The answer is 10:31
